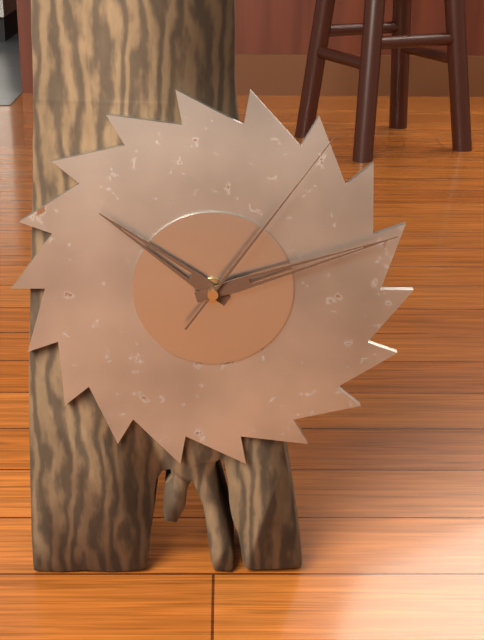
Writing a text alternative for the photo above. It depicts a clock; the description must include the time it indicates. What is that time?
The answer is 10:12:06
